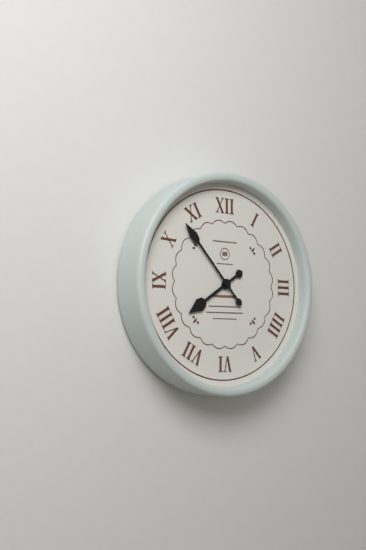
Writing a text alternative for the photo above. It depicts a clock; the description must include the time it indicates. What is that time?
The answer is 7:53
